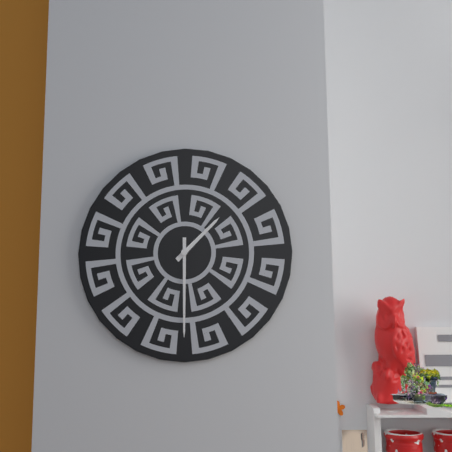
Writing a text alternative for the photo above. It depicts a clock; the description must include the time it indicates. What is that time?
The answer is 1:30
